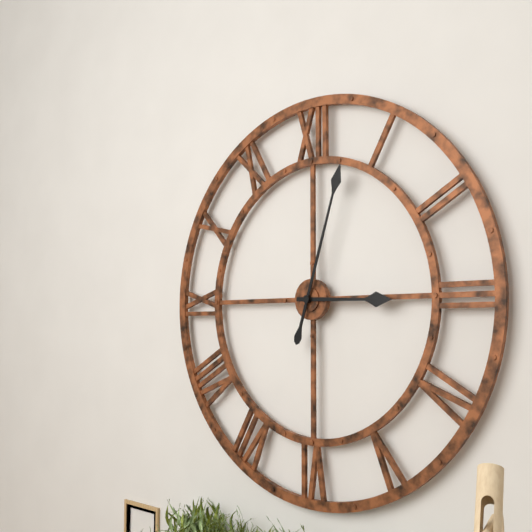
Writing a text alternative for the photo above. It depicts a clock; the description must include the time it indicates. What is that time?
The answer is 3:03
